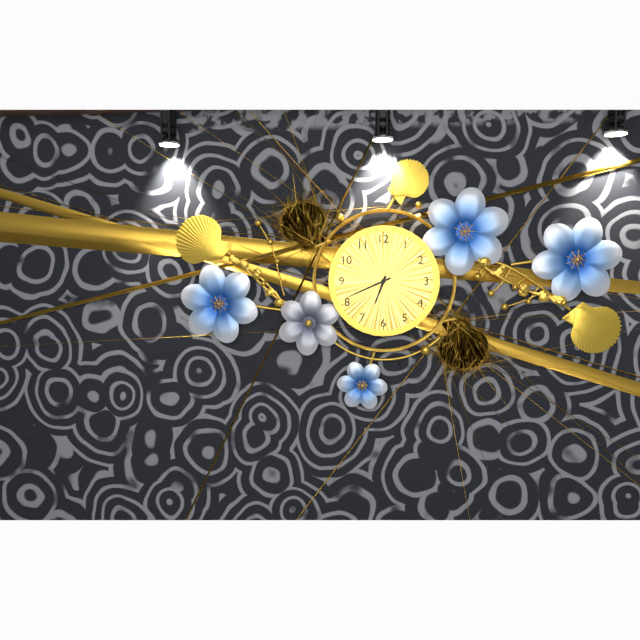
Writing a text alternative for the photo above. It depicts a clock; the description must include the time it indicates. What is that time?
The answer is 6:41
